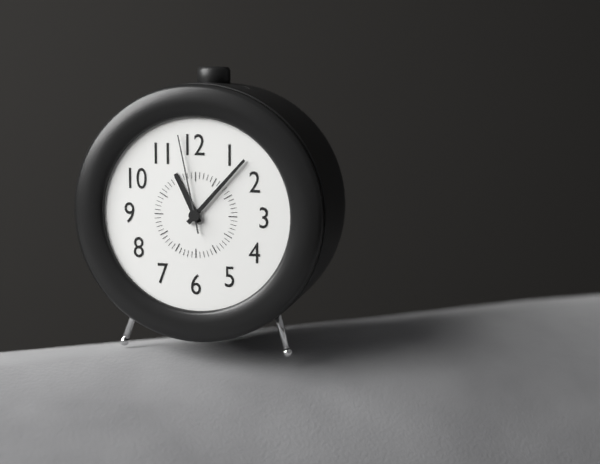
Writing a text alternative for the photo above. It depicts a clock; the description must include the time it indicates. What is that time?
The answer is 11:07:58
